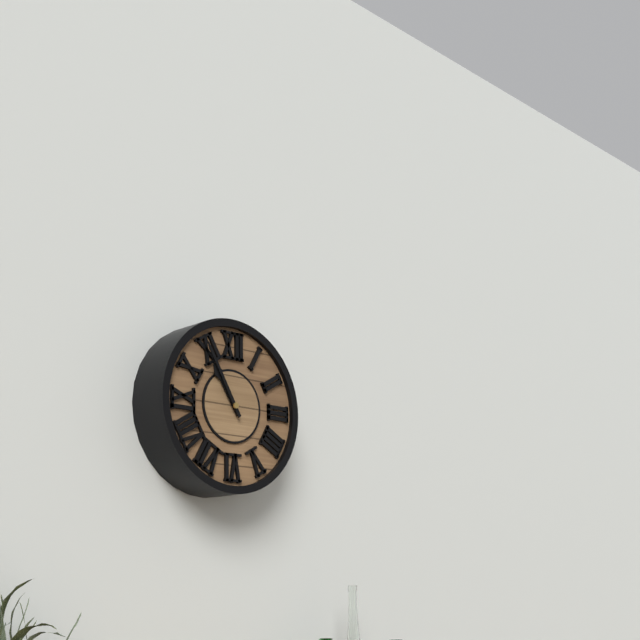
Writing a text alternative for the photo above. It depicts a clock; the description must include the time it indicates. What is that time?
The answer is 10:55
